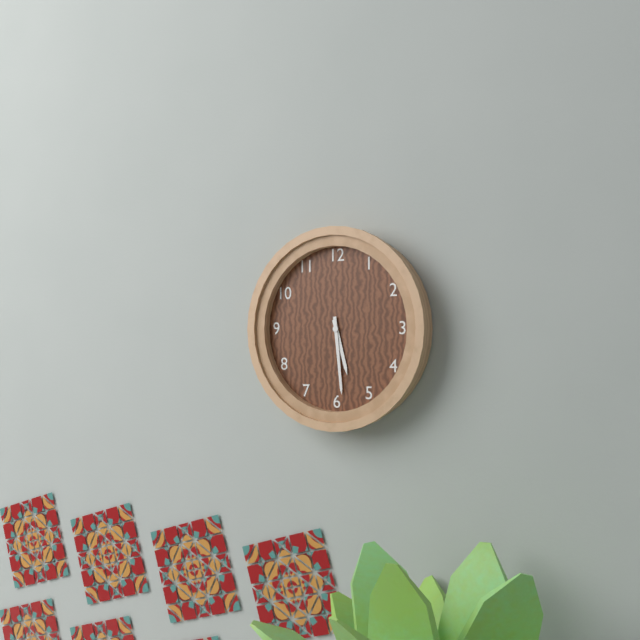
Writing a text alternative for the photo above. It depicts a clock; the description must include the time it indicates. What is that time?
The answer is 5:29
